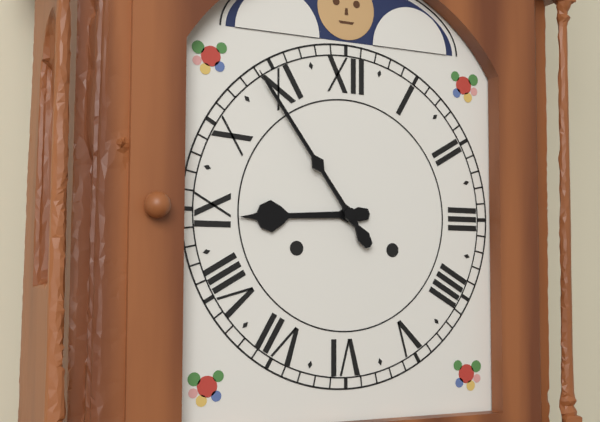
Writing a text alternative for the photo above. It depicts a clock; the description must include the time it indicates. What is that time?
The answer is 8:54
